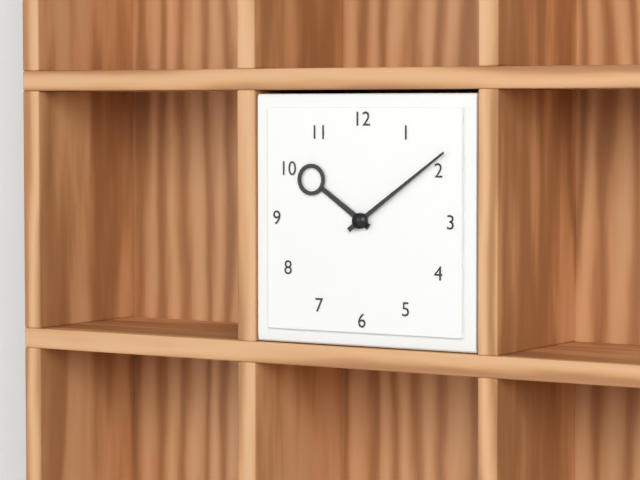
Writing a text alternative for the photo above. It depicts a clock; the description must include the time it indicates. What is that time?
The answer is 10:09
